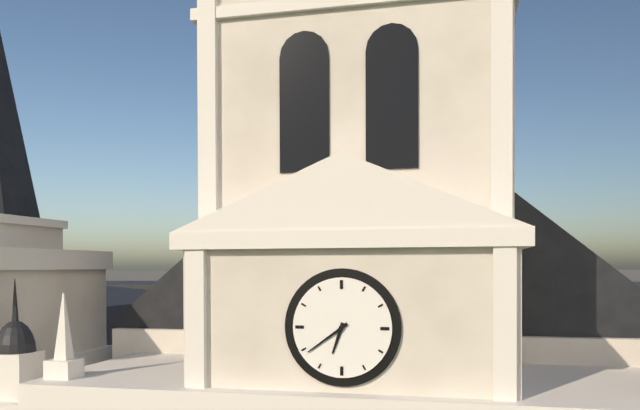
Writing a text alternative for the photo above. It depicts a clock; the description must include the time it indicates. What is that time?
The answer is 6:39
